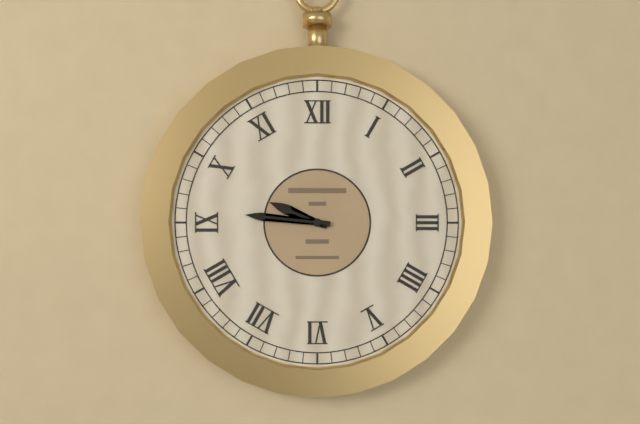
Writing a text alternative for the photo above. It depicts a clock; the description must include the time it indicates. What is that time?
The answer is 9:46
